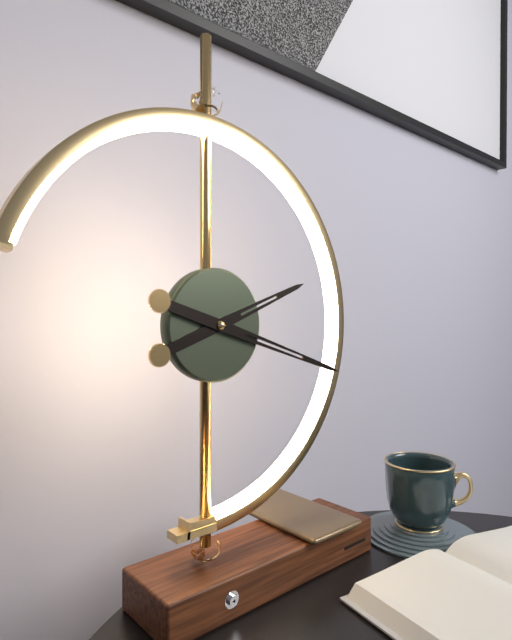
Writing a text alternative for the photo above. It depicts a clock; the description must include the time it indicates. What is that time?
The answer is 2:18
